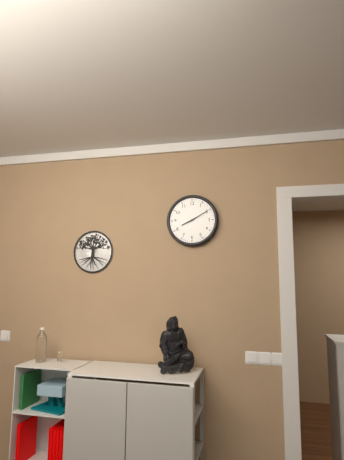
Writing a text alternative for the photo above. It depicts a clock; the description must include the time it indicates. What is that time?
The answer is 8:10
